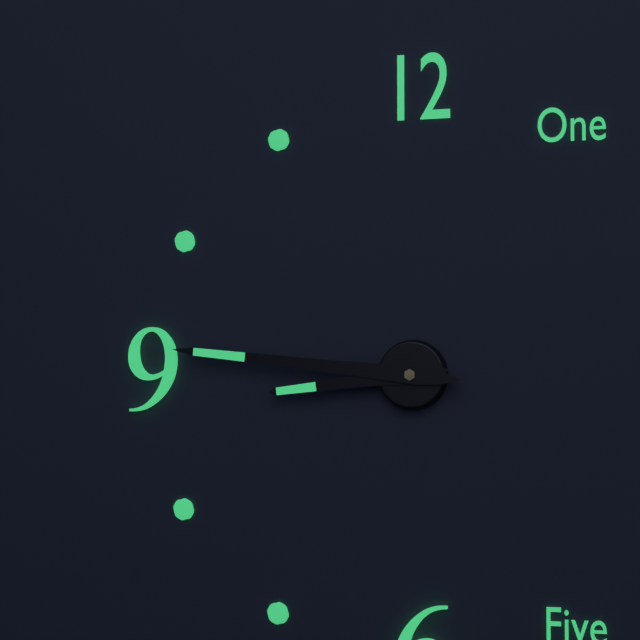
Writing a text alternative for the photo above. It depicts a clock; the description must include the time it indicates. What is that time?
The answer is 8:46
